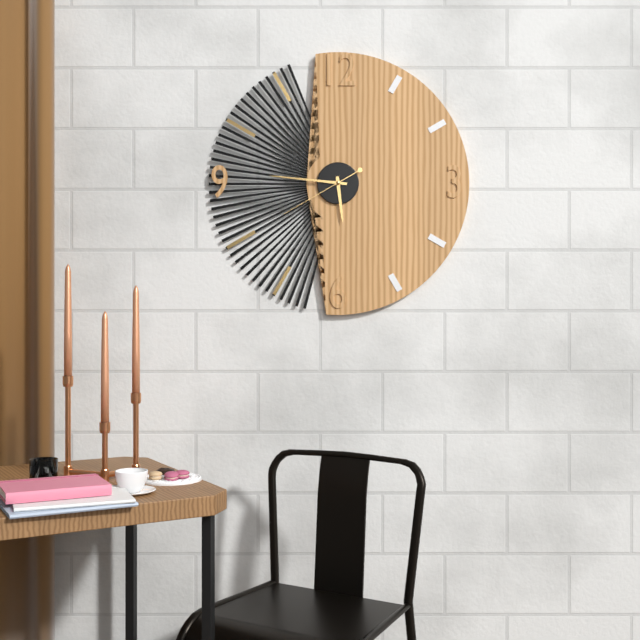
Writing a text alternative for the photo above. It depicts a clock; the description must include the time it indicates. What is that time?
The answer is 5:46:40
